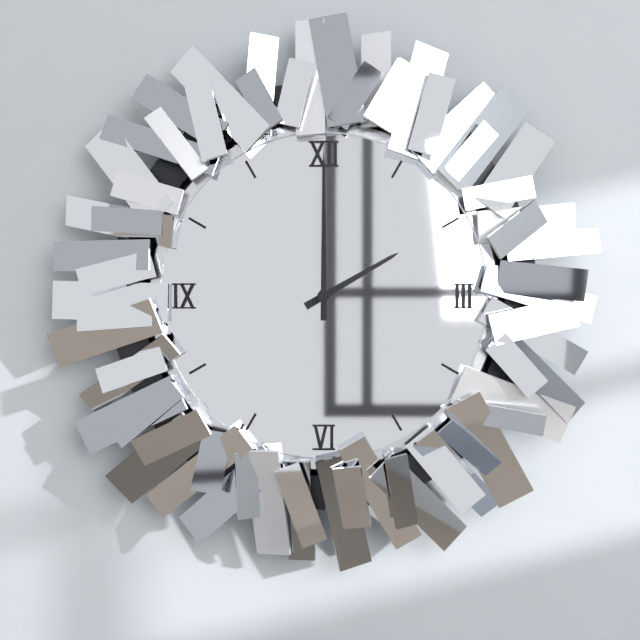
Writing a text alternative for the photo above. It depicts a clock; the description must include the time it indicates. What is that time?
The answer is 2:00
